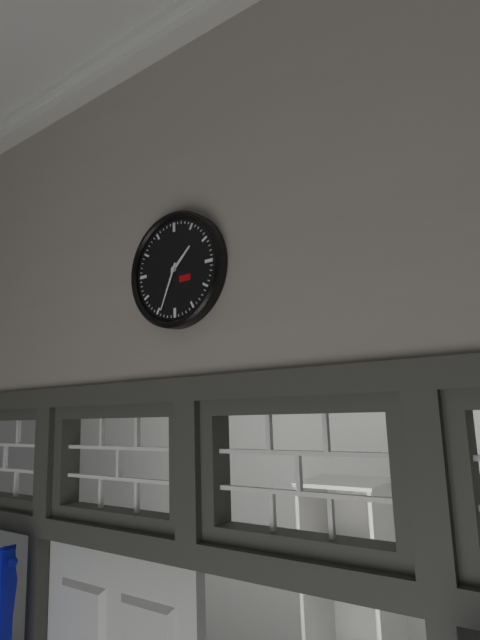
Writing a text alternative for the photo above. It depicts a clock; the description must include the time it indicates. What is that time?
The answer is 1:34
